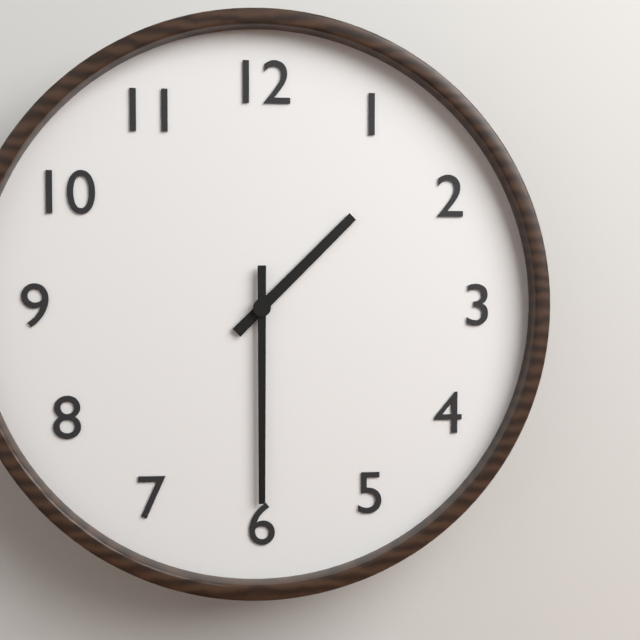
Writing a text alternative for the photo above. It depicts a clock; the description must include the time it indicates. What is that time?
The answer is 1:30
